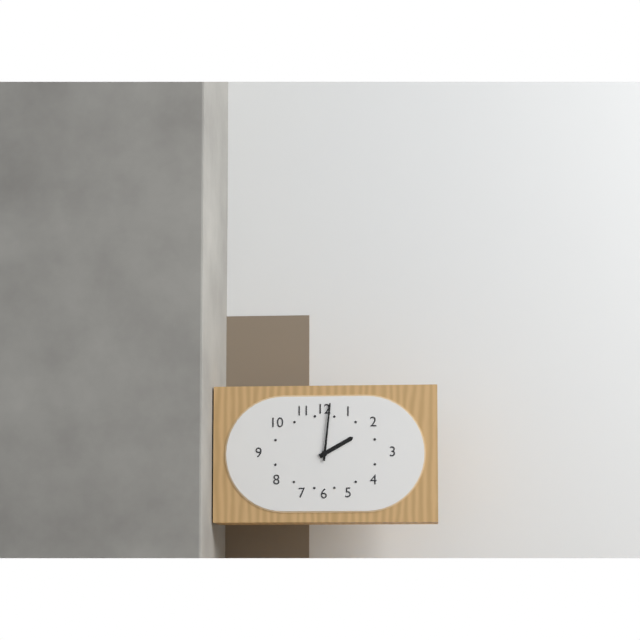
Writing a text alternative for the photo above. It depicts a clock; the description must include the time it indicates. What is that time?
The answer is 2:01
